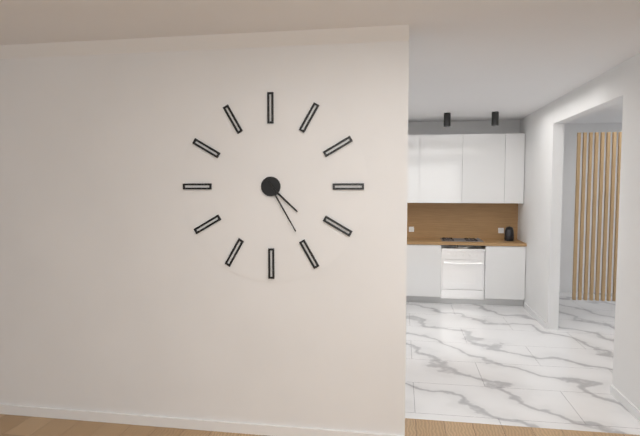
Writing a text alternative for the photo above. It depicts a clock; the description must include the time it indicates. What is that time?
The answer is 4:25
